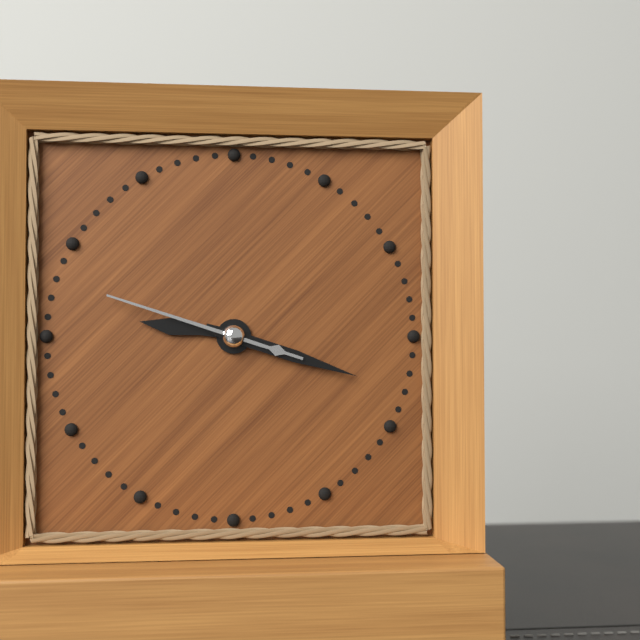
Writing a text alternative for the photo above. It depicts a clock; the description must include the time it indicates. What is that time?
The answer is 9:18:48
